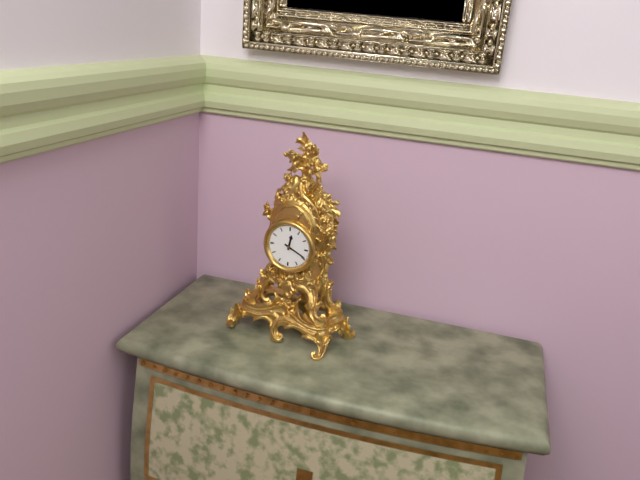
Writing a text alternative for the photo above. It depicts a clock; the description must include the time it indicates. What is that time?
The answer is 12:19
